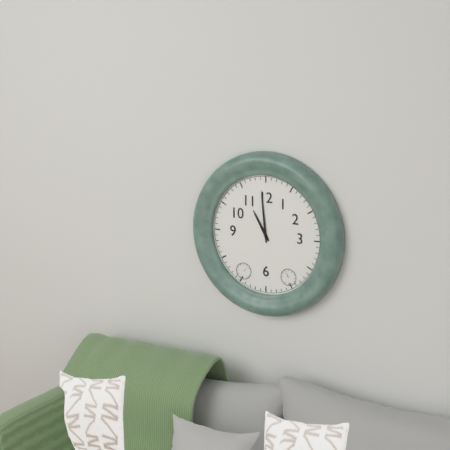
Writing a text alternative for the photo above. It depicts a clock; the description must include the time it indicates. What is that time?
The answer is 10:59
